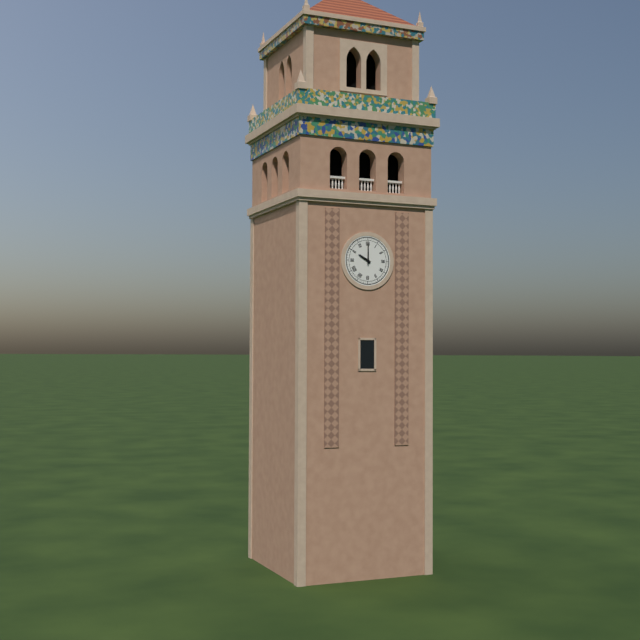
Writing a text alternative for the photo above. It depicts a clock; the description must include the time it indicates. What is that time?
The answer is 10:00
